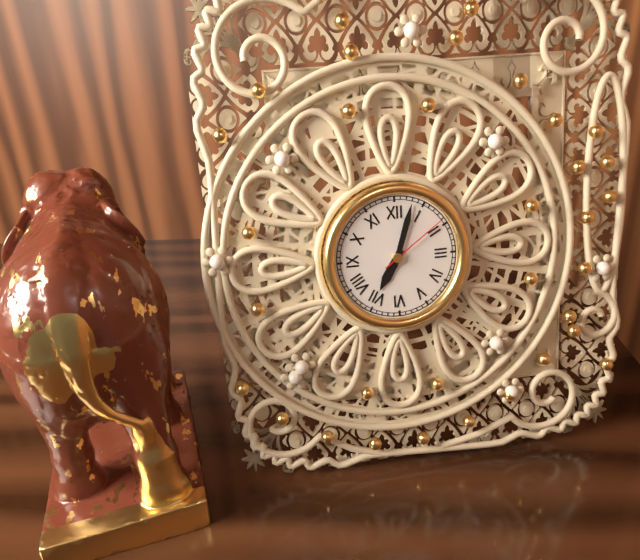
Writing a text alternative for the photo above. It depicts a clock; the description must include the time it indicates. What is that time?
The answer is 7:03:09
